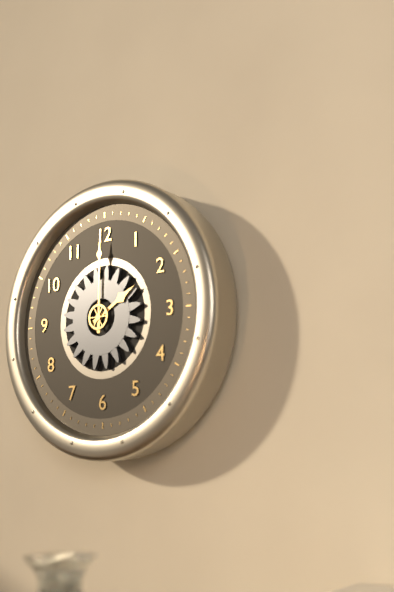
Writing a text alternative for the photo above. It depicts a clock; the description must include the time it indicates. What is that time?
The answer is 2:00
